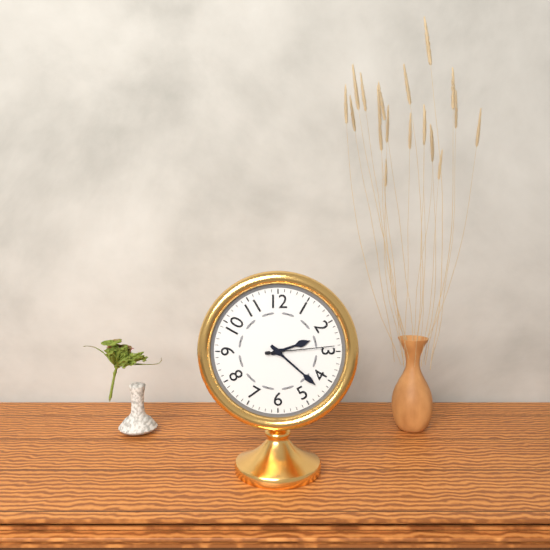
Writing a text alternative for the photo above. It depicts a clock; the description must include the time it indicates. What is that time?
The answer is 2:22:14
